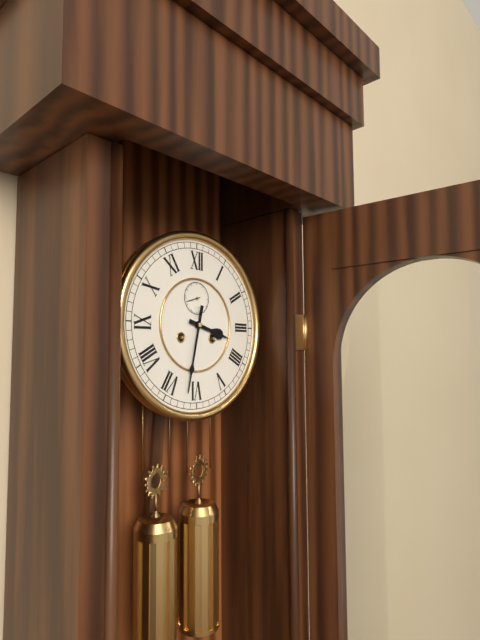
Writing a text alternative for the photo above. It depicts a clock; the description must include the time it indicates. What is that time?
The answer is 3:32
